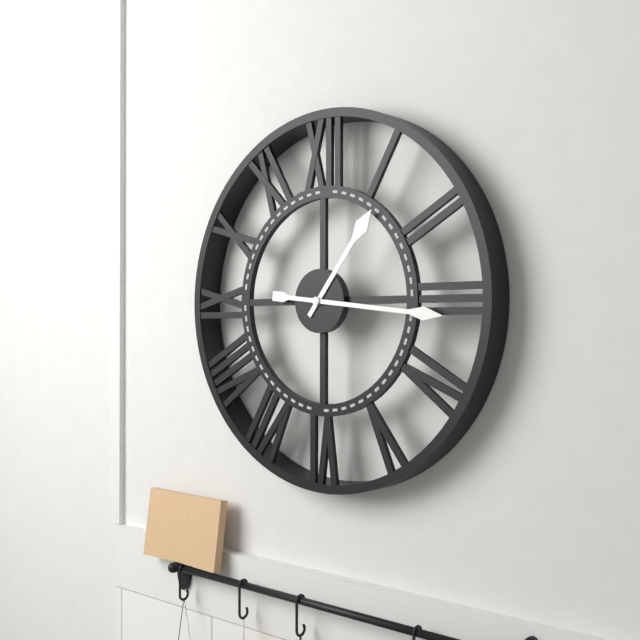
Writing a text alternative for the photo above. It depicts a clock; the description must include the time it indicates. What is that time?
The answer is 1:16
